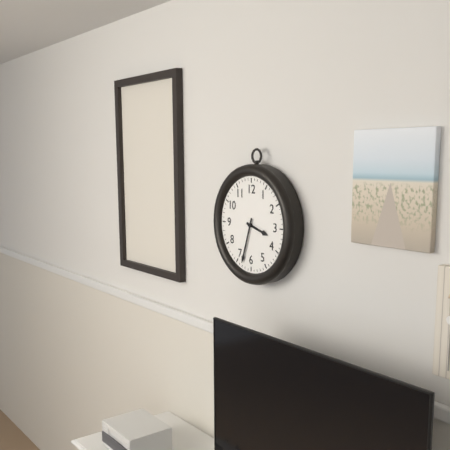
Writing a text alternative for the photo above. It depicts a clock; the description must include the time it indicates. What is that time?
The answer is 3:33
